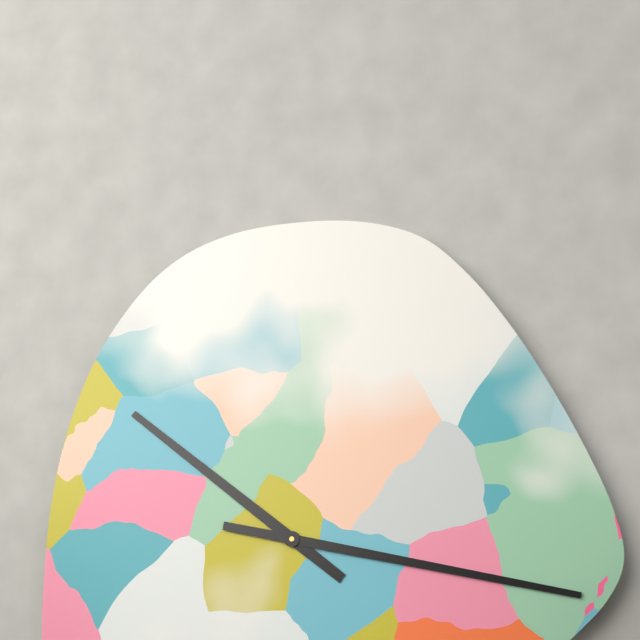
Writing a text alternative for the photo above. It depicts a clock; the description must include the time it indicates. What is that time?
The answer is 10:17
